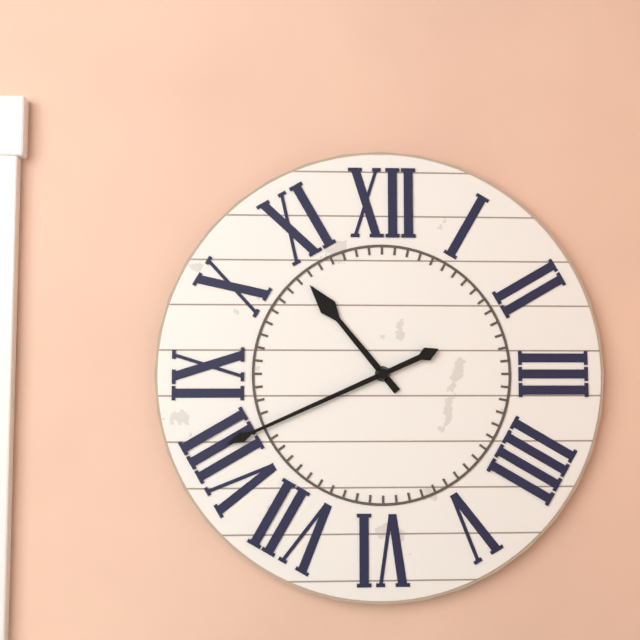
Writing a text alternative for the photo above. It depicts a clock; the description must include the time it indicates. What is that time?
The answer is 10:41
